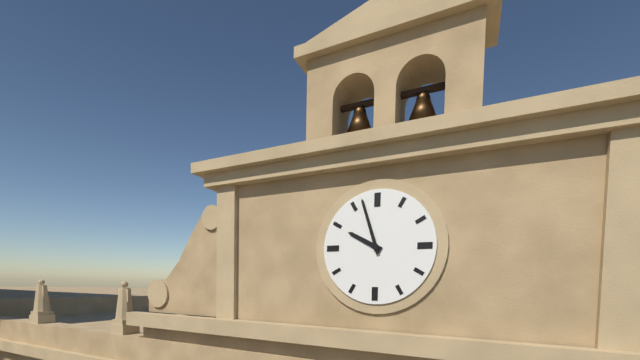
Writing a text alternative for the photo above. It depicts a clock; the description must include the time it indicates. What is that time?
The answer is 9:57
